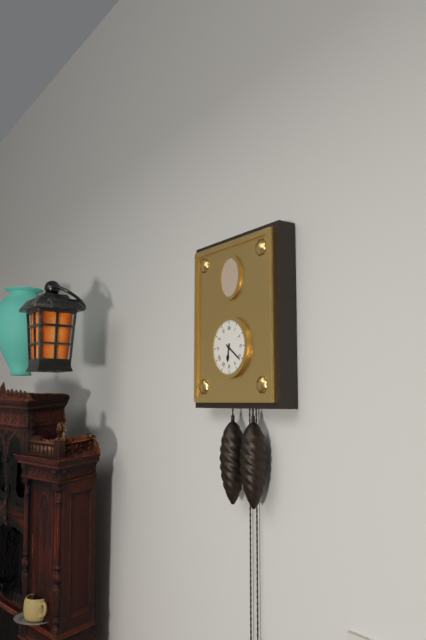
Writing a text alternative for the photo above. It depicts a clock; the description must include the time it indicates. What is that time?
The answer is 6:21
